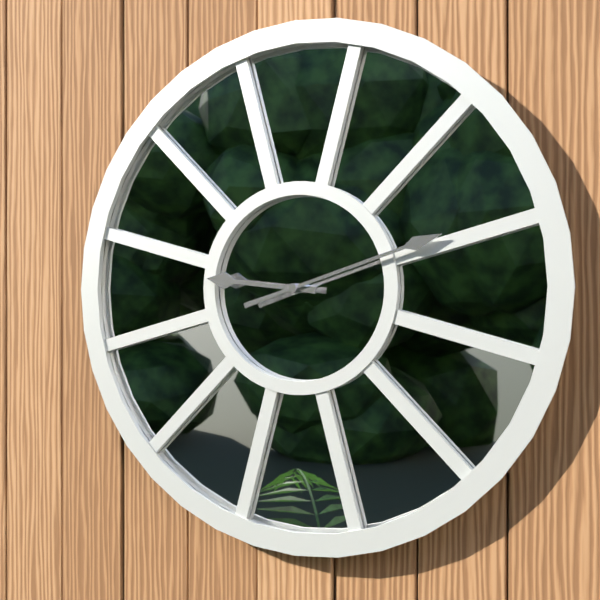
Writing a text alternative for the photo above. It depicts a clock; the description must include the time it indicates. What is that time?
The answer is 9:12
